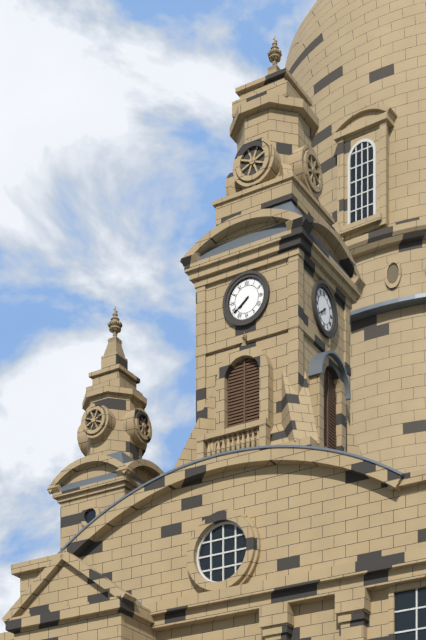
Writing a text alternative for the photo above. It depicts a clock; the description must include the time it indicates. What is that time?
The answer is 7:39
